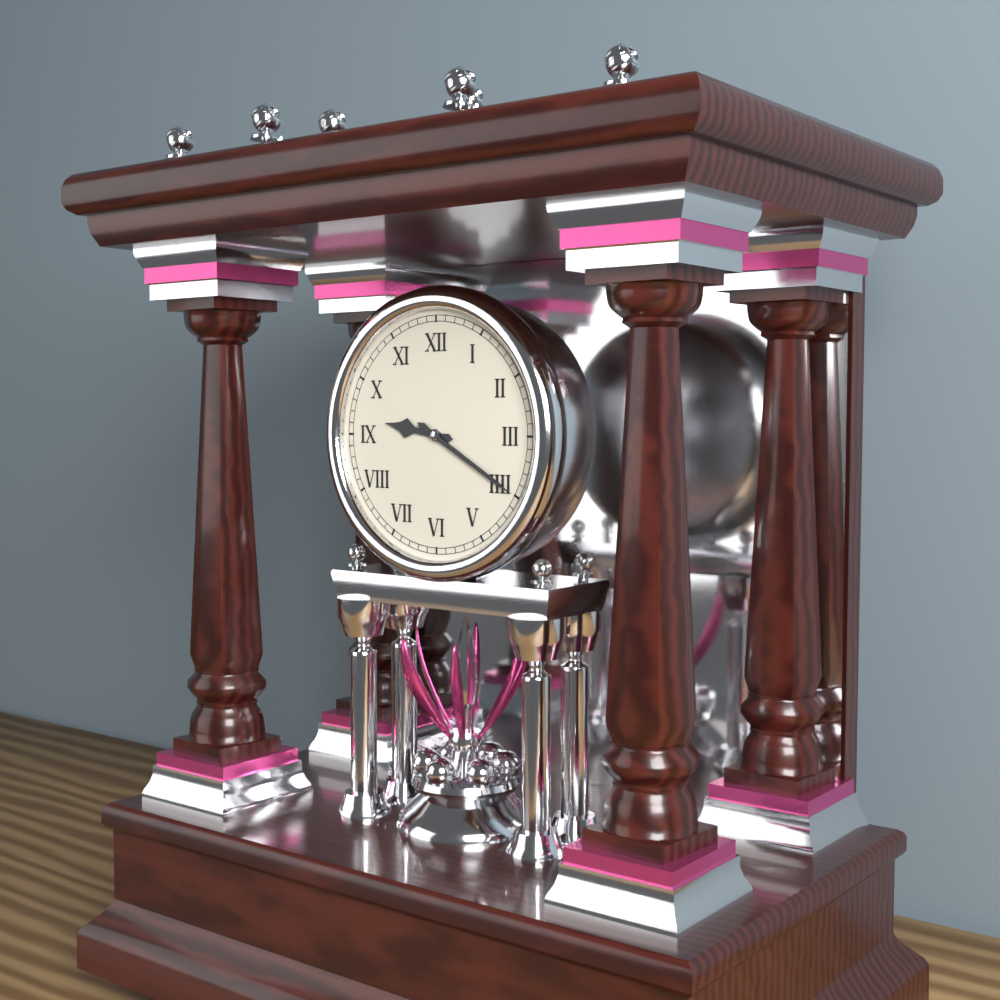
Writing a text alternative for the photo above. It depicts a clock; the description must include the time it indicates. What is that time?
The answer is 9:20
